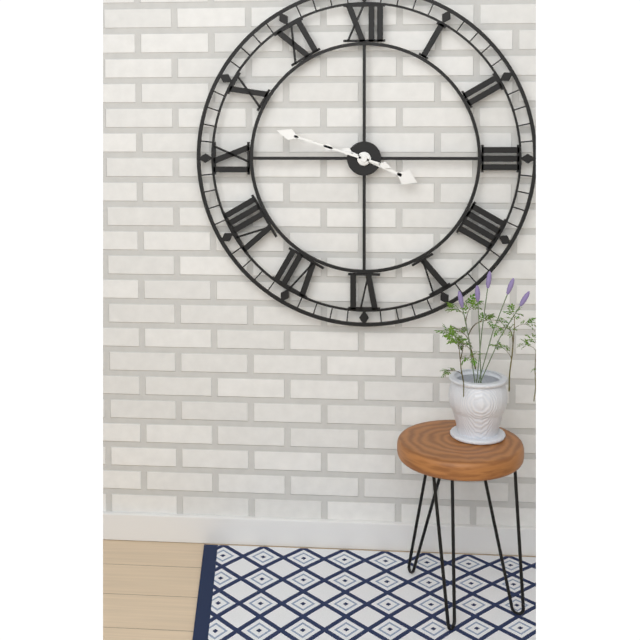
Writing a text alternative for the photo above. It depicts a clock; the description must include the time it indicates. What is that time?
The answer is 3:48
